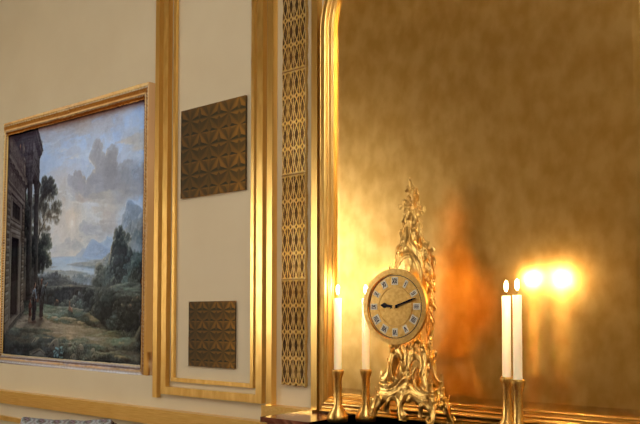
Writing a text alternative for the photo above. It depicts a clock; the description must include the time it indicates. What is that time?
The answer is 9:12
